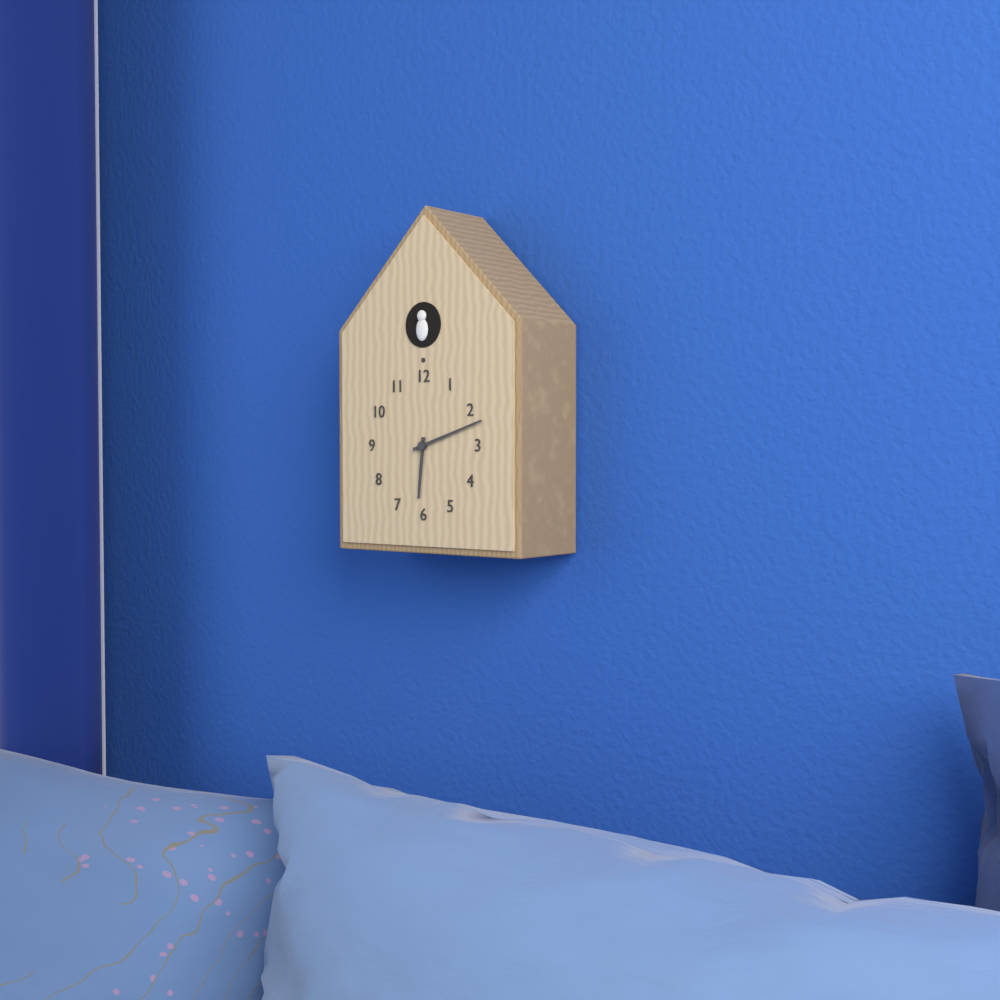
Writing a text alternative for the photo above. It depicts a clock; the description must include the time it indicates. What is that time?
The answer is 6:12
